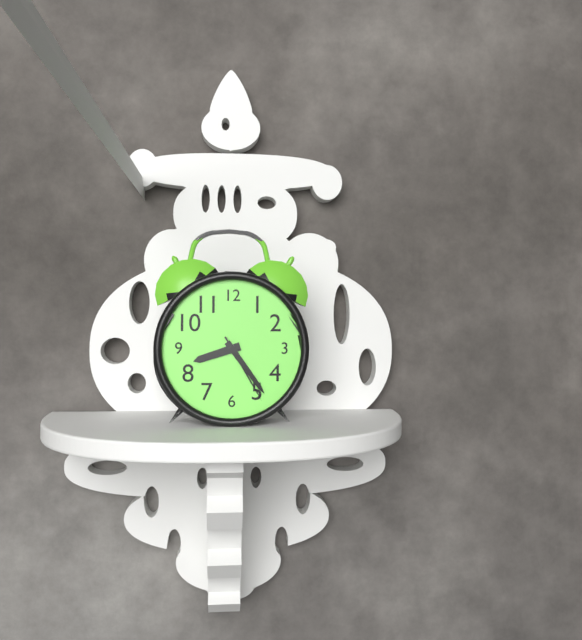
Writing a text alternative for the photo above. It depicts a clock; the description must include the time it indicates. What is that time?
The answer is 8:24:25
